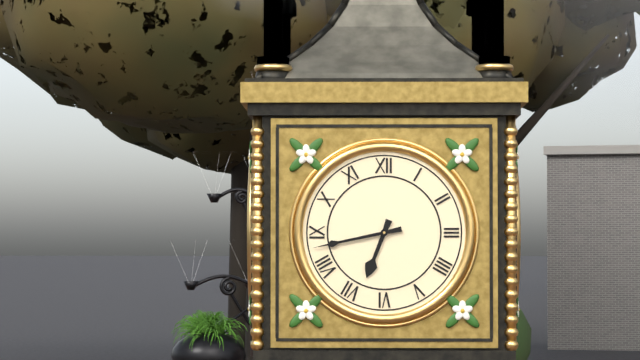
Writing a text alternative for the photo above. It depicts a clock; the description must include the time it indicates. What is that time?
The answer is 6:43
